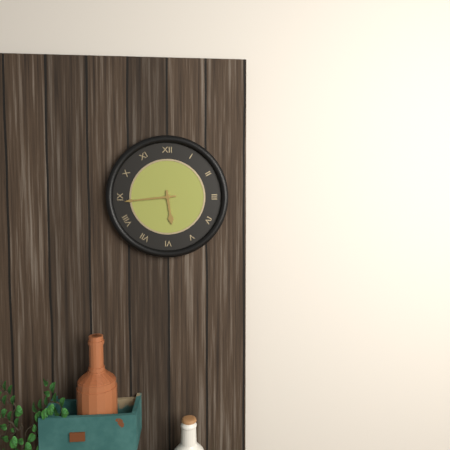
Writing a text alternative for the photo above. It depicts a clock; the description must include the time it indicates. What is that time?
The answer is 5:44
